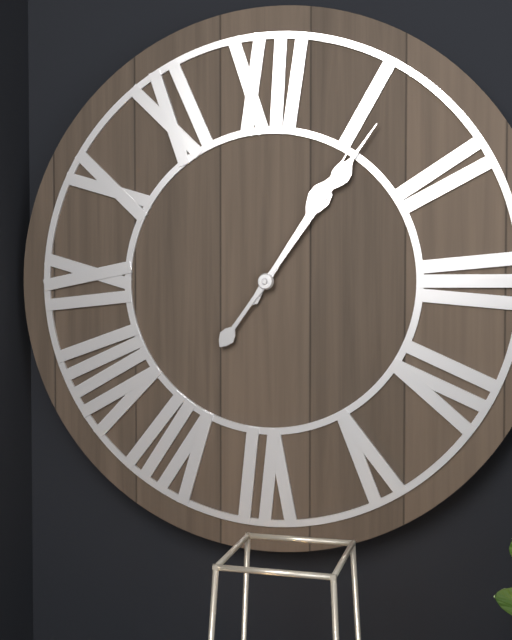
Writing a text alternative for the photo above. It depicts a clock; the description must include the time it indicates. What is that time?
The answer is 1:06
